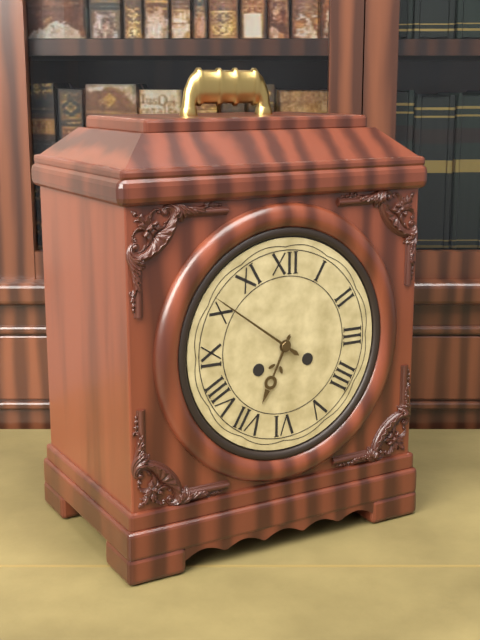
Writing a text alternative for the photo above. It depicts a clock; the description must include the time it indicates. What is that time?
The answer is 6:51
